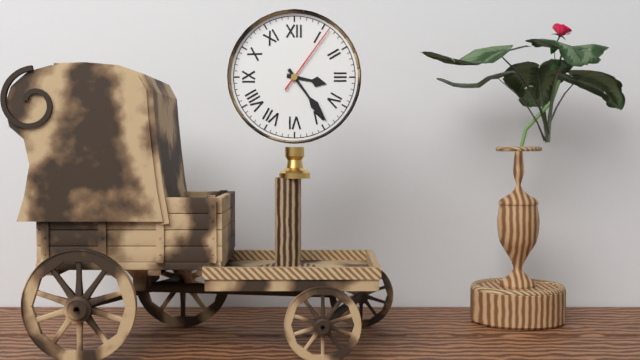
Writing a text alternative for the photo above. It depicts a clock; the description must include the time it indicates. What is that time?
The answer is 3:24:06
